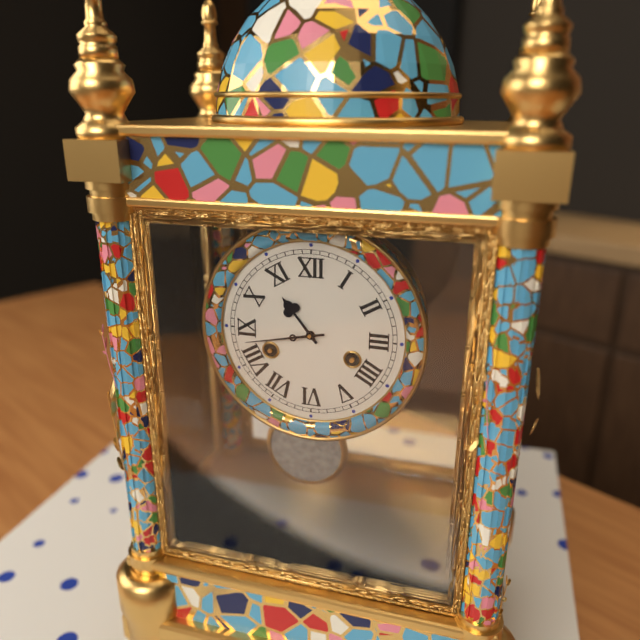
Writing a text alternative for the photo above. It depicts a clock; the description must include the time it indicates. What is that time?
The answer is 10:43
